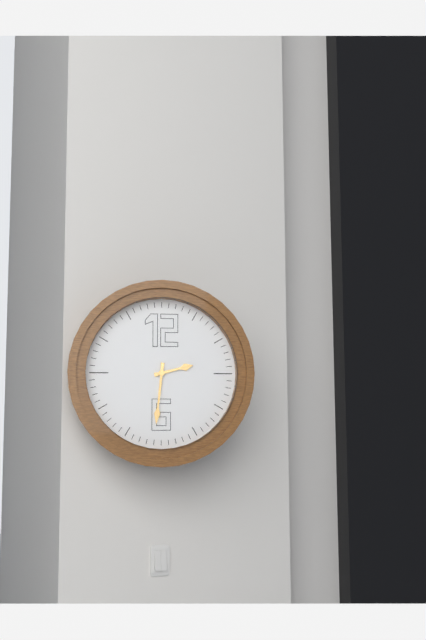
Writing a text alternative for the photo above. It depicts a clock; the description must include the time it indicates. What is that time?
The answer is 2:31
